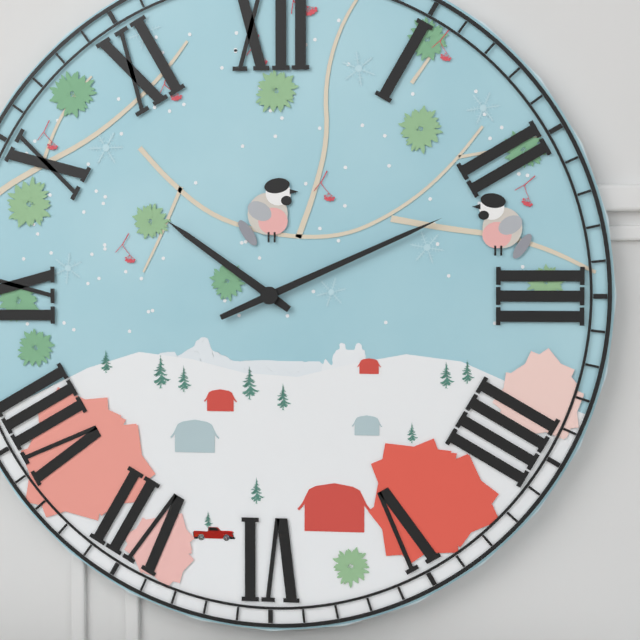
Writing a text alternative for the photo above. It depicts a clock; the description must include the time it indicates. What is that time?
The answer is 10:11
